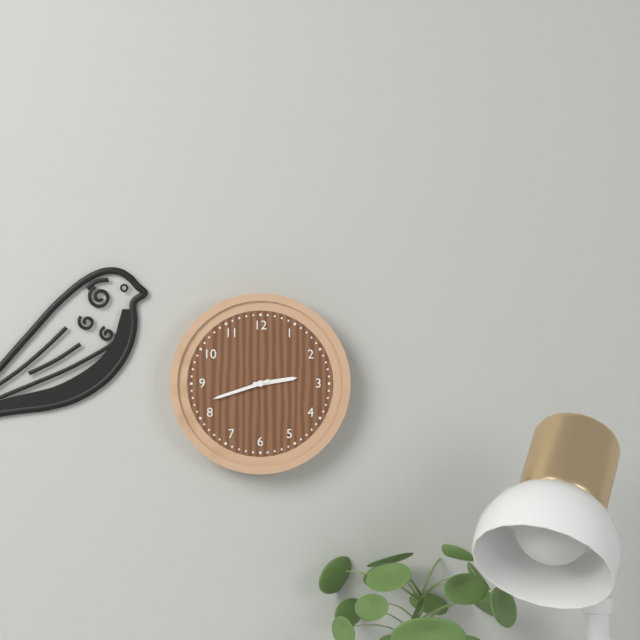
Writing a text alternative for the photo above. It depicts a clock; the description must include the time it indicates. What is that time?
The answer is 2:42
